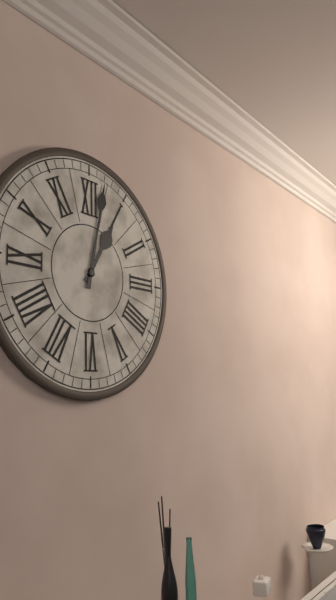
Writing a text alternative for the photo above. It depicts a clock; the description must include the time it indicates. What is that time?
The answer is 1:02
